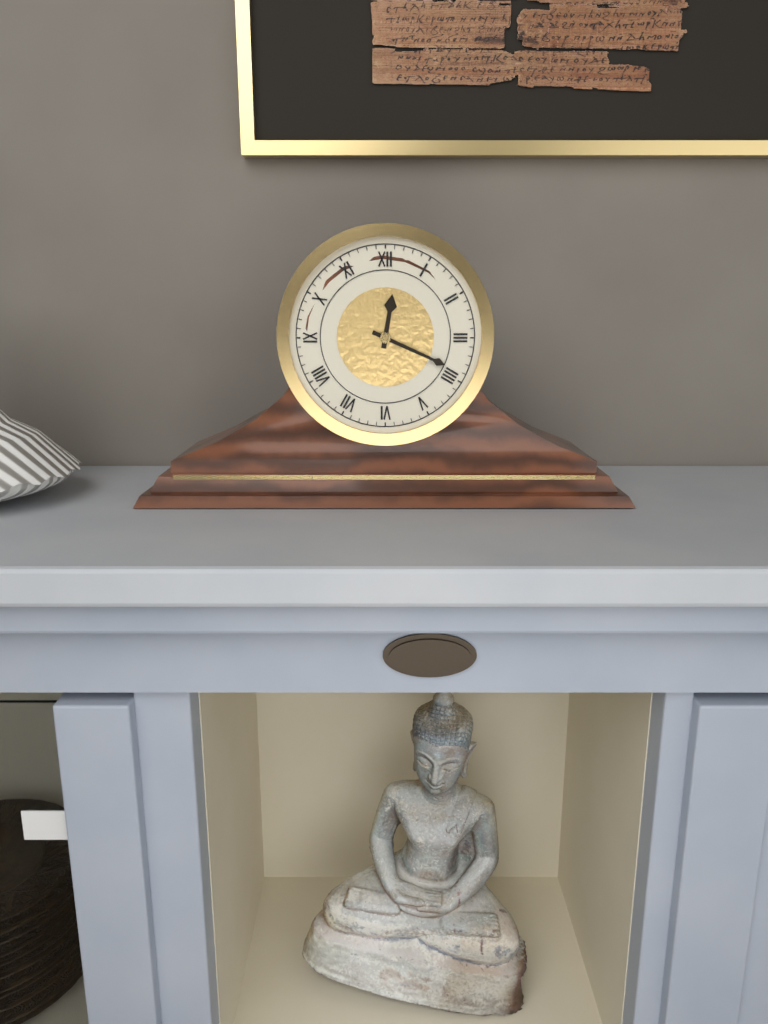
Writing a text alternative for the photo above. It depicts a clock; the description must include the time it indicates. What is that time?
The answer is 12:19
